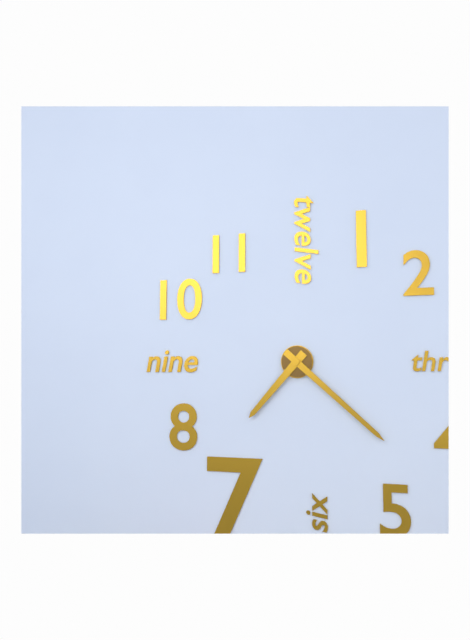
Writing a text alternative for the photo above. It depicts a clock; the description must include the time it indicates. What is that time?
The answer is 7:22
